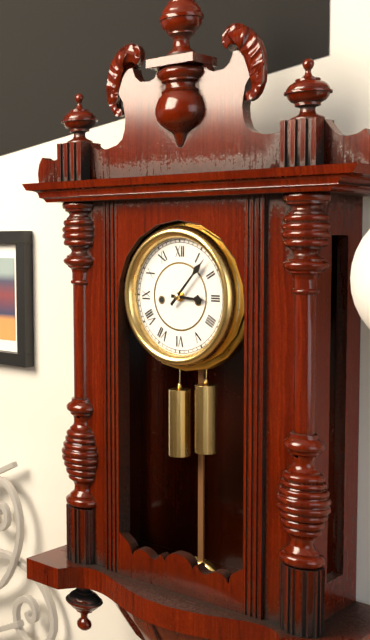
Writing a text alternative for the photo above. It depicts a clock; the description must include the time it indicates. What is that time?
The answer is 3:07
